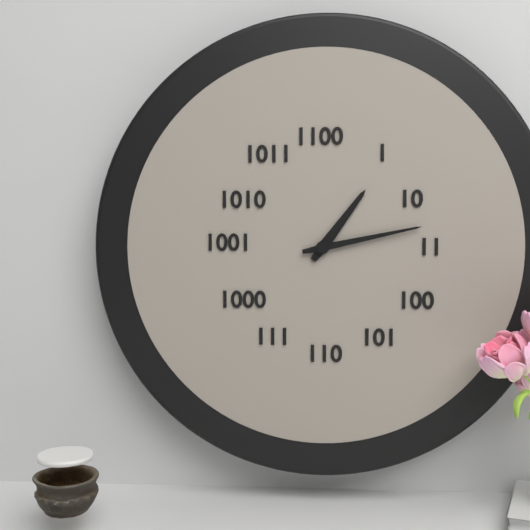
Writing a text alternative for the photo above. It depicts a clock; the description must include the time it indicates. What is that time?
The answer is 1:13
